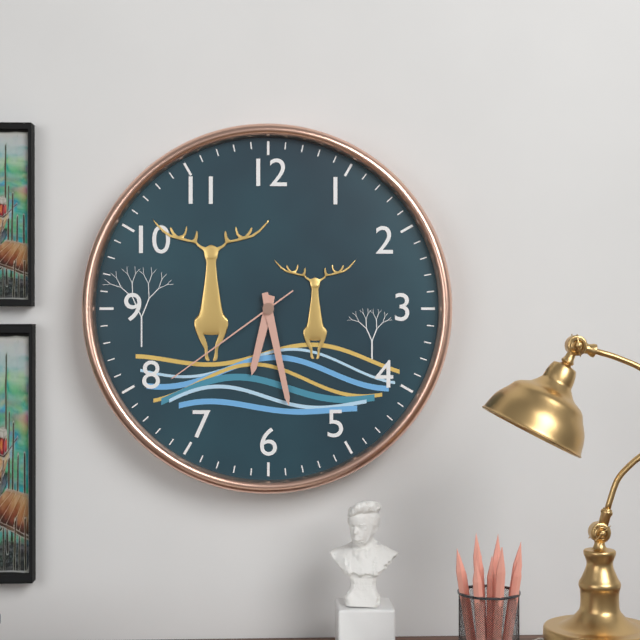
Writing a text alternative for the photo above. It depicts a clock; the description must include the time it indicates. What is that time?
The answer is 6:28:39
